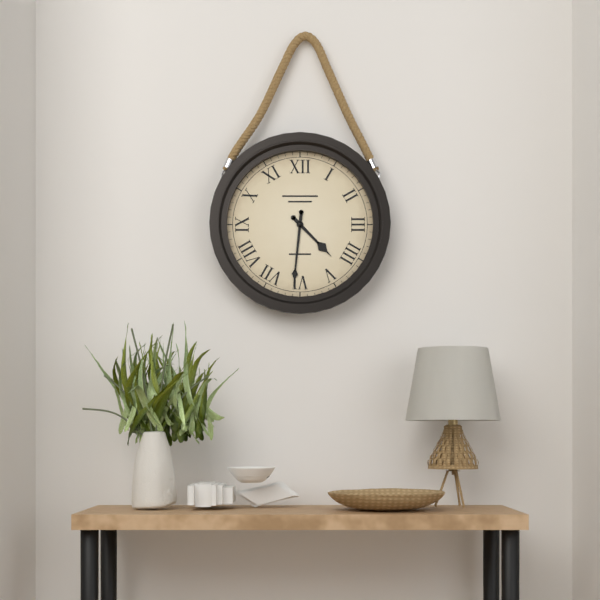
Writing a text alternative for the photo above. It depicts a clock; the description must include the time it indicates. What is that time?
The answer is 4:31
